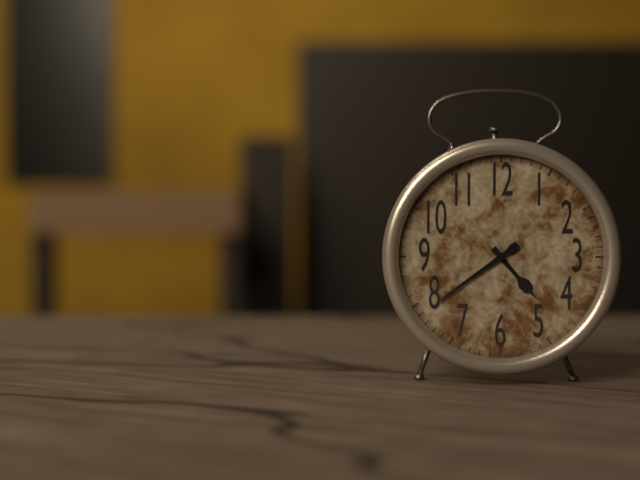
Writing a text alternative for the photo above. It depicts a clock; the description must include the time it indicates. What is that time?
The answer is 4:39
